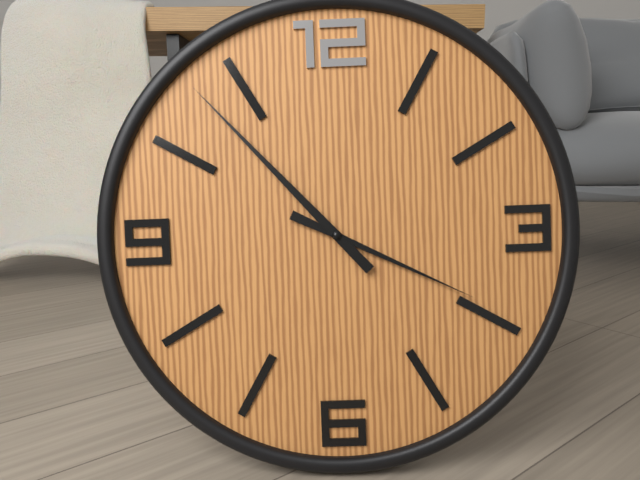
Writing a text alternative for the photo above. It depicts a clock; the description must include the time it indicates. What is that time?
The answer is 3:53
